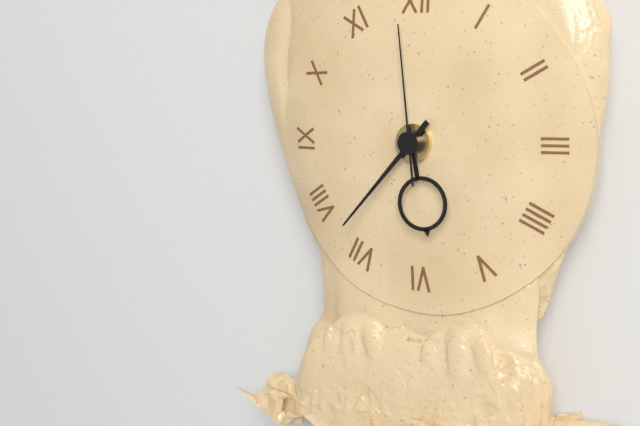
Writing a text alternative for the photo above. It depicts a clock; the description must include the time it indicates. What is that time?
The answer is 5:37:59
